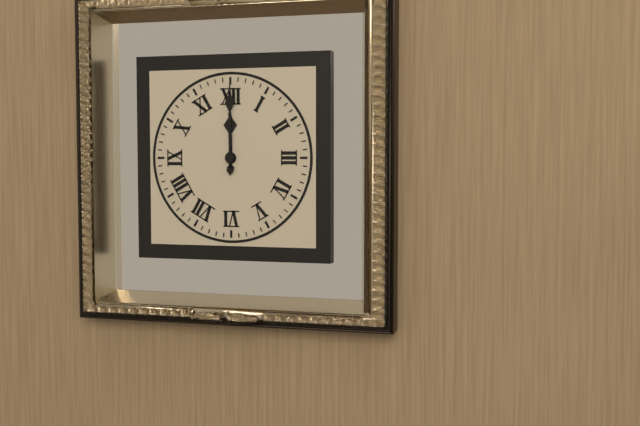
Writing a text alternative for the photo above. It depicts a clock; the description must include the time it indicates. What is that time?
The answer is 12:00
